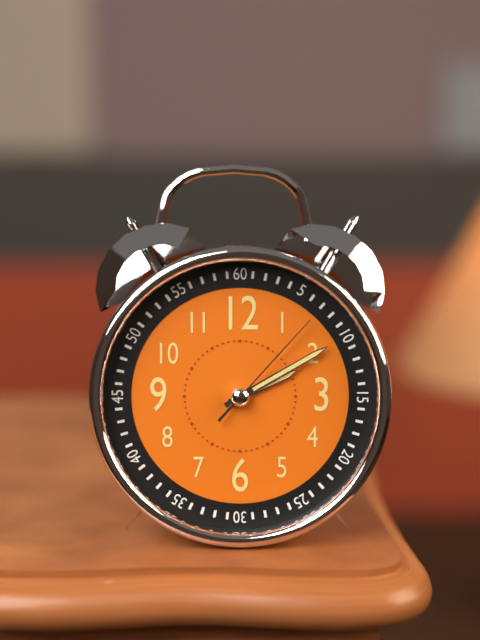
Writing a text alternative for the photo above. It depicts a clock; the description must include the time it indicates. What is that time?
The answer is 2:10:07
